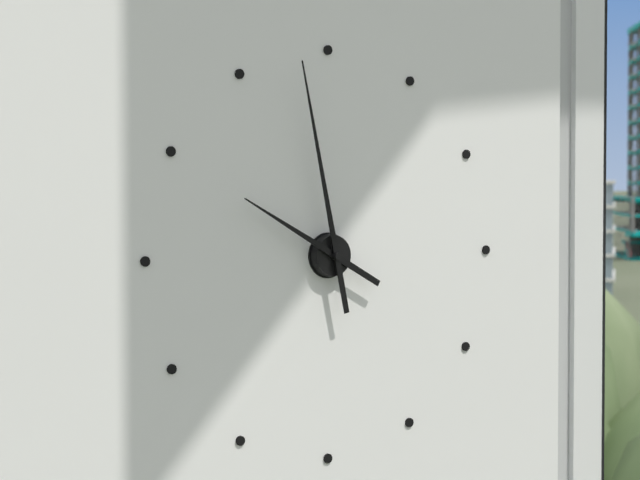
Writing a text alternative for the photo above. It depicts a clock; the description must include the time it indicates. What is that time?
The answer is 9:58
